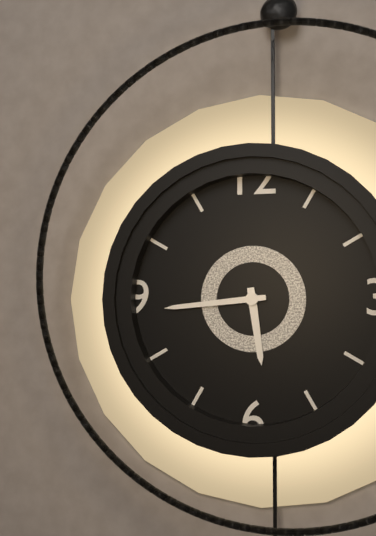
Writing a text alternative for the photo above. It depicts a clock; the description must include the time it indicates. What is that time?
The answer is 5:44
